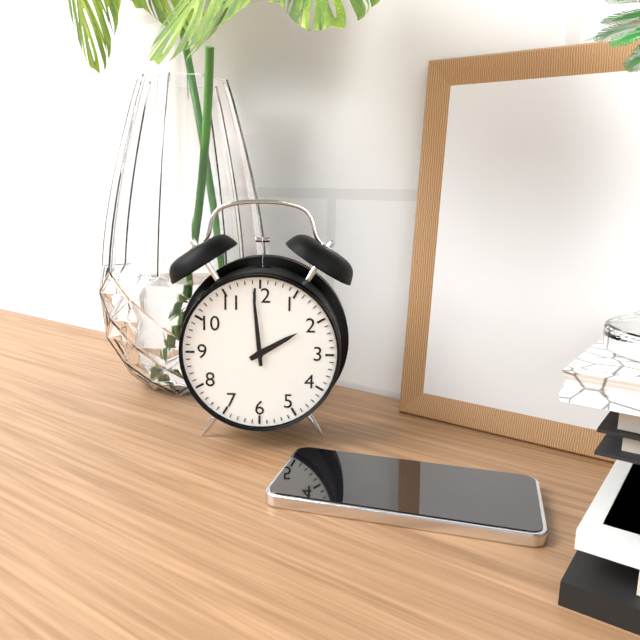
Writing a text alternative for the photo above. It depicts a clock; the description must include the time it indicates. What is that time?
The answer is 1:59
